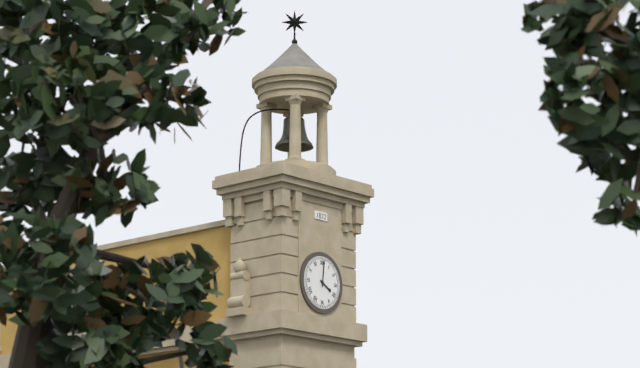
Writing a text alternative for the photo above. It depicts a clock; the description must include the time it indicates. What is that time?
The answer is 4:01
